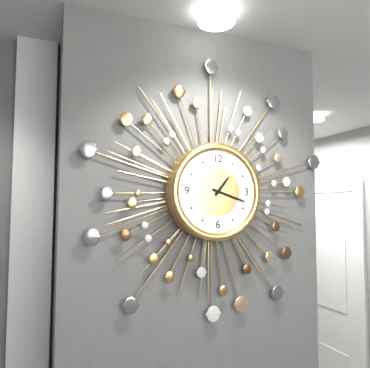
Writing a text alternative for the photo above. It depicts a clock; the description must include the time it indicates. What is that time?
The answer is 1:18
